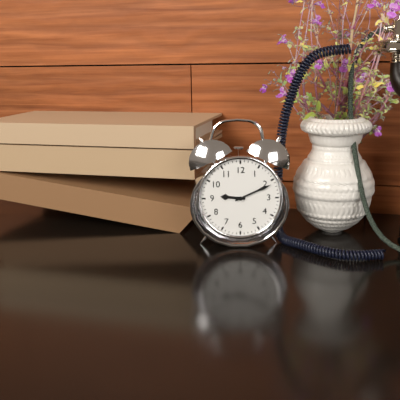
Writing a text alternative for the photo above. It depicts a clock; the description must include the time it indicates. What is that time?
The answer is 9:11
